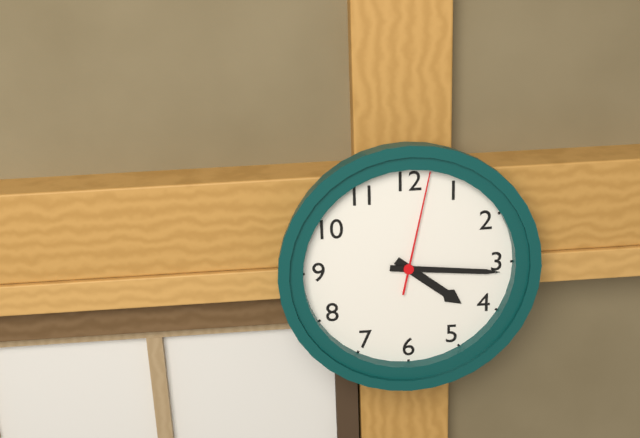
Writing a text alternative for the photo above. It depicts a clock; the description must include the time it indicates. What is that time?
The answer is 4:16:02
